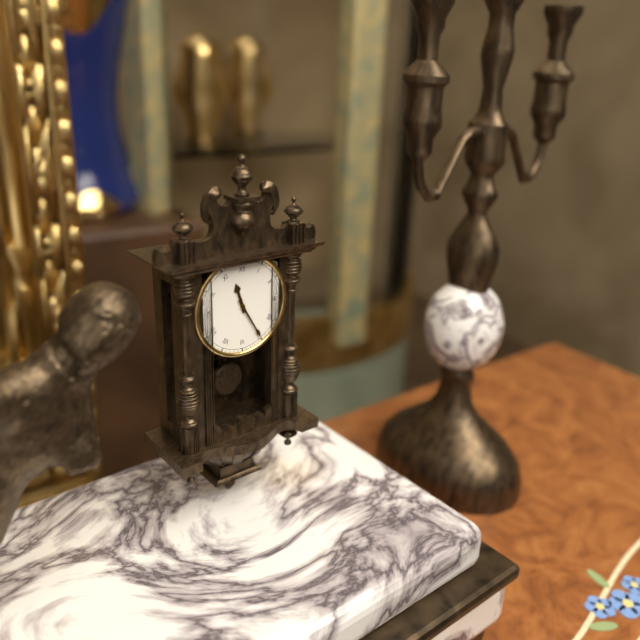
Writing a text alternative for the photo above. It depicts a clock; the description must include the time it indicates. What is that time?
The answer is 11:25
